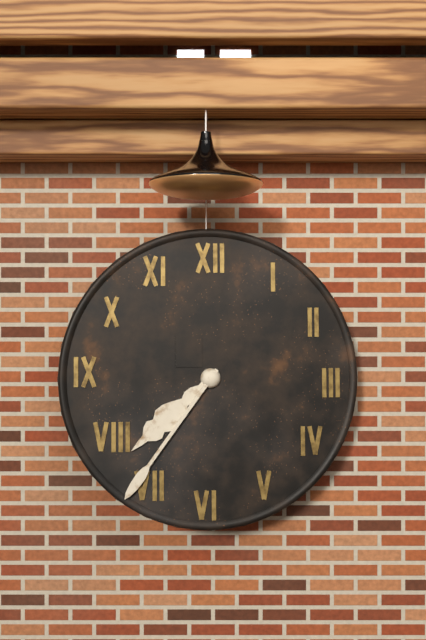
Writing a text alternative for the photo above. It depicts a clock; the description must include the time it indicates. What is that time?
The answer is 7:36
